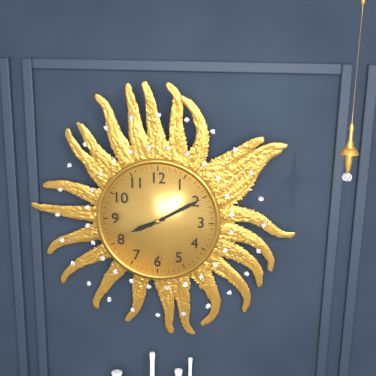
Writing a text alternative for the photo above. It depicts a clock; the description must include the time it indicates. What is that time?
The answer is 8:10
